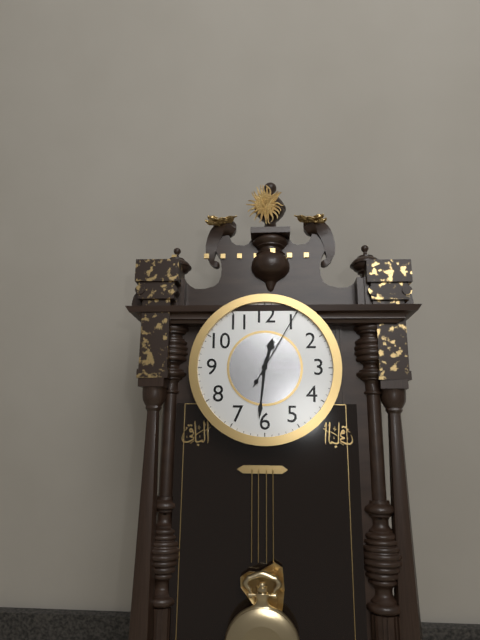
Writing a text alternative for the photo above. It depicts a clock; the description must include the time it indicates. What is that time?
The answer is 12:31:05
